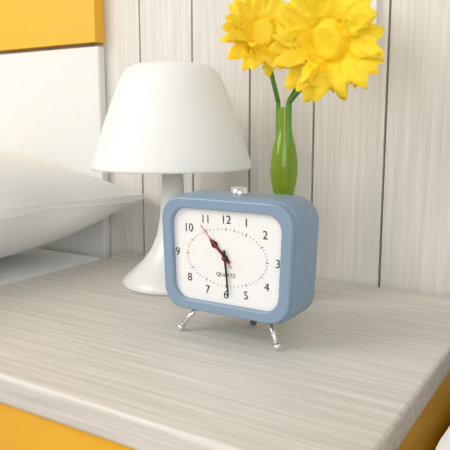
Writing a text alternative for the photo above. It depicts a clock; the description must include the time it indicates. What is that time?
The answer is 10:29:53
